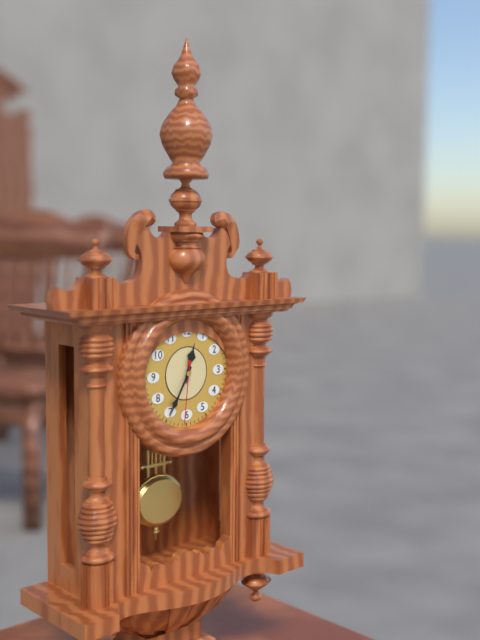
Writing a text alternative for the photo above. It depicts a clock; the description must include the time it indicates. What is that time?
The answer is 12:35:31
